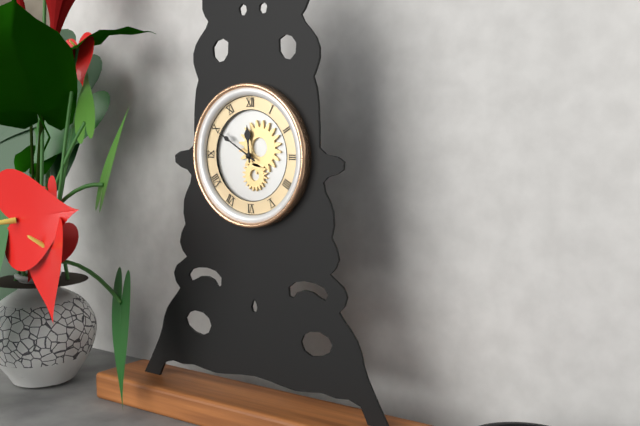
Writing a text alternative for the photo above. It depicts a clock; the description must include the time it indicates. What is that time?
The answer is 11:50
